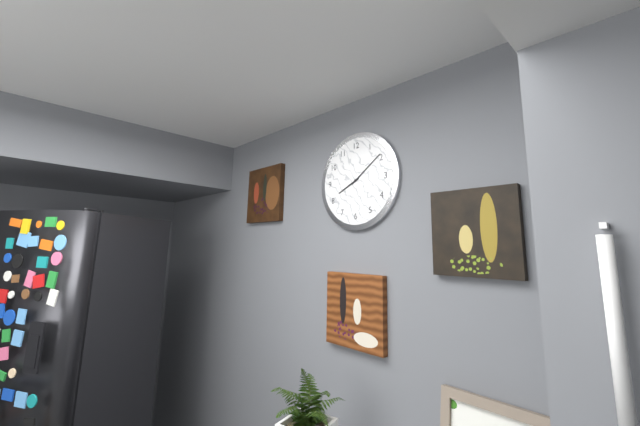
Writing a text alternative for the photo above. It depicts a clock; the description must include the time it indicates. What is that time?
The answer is 8:09
